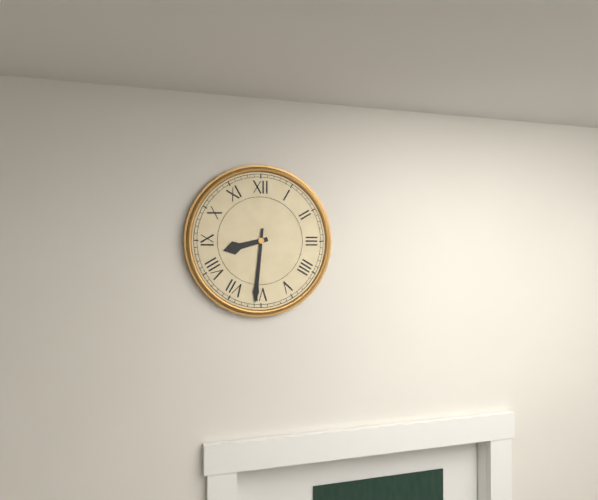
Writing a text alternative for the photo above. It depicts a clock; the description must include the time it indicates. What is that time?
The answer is 8:31
